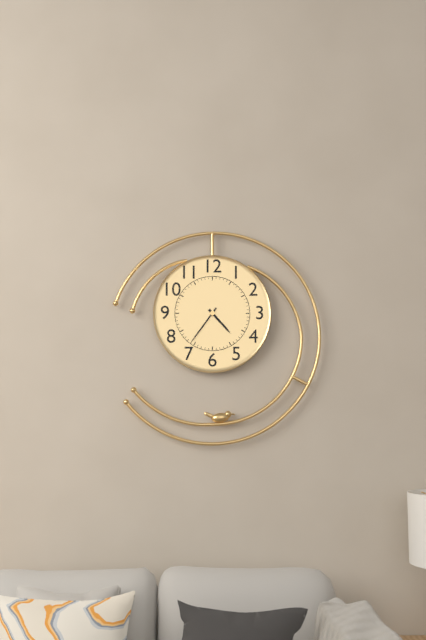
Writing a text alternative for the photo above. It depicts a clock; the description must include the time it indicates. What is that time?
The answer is 4:36
